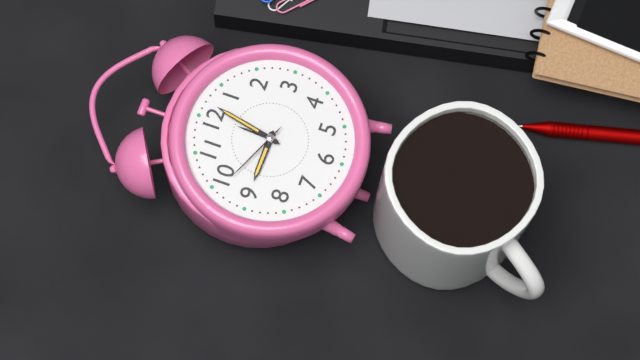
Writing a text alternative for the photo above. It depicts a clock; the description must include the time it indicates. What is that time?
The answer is 9:02:49
